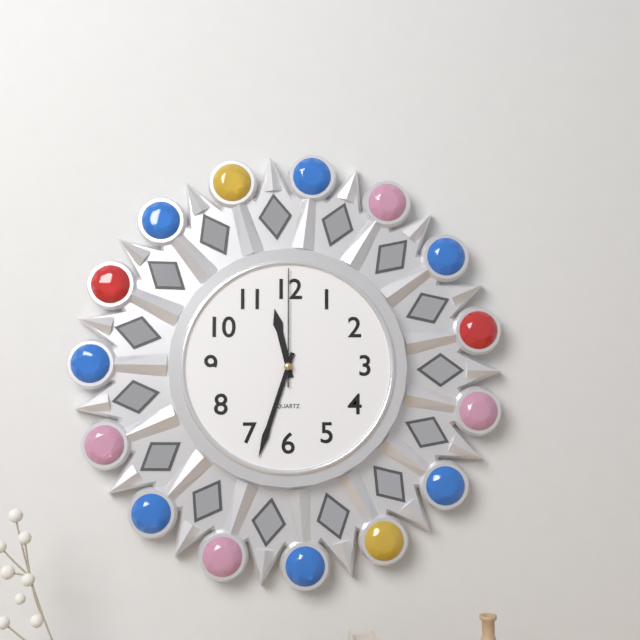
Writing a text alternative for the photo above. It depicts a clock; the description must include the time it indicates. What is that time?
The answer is 11:33:00
